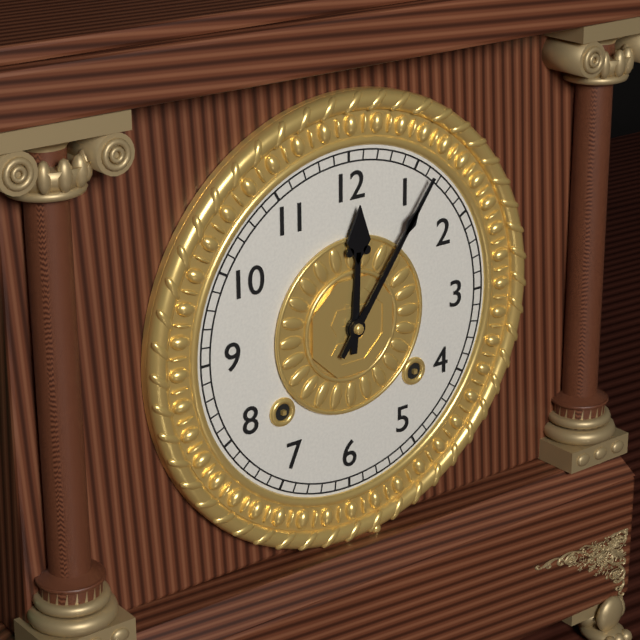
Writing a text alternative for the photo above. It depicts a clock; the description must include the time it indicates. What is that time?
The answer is 12:06
